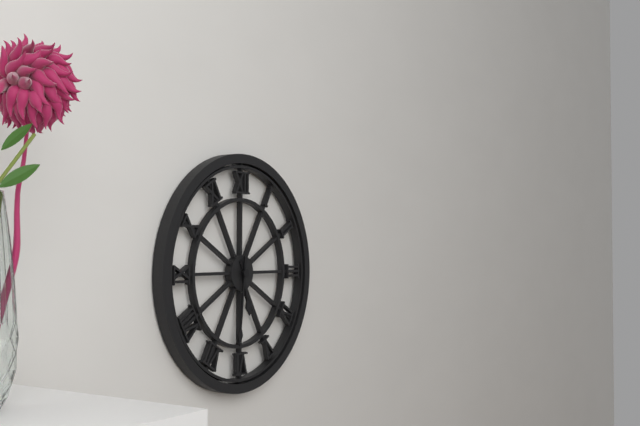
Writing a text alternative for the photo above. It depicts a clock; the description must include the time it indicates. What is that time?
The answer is 5:31
